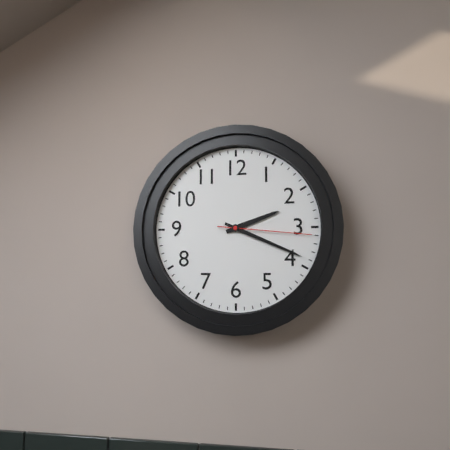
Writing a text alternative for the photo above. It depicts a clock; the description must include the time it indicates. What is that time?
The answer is 2:19:16
